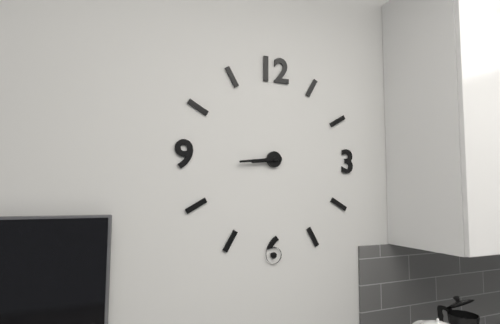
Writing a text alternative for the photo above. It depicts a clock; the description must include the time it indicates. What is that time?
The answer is 8:44
